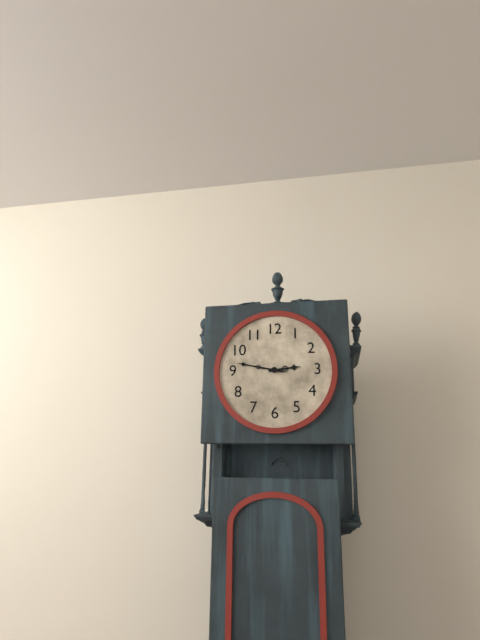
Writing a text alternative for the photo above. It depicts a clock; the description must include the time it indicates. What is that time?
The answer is 2:47
